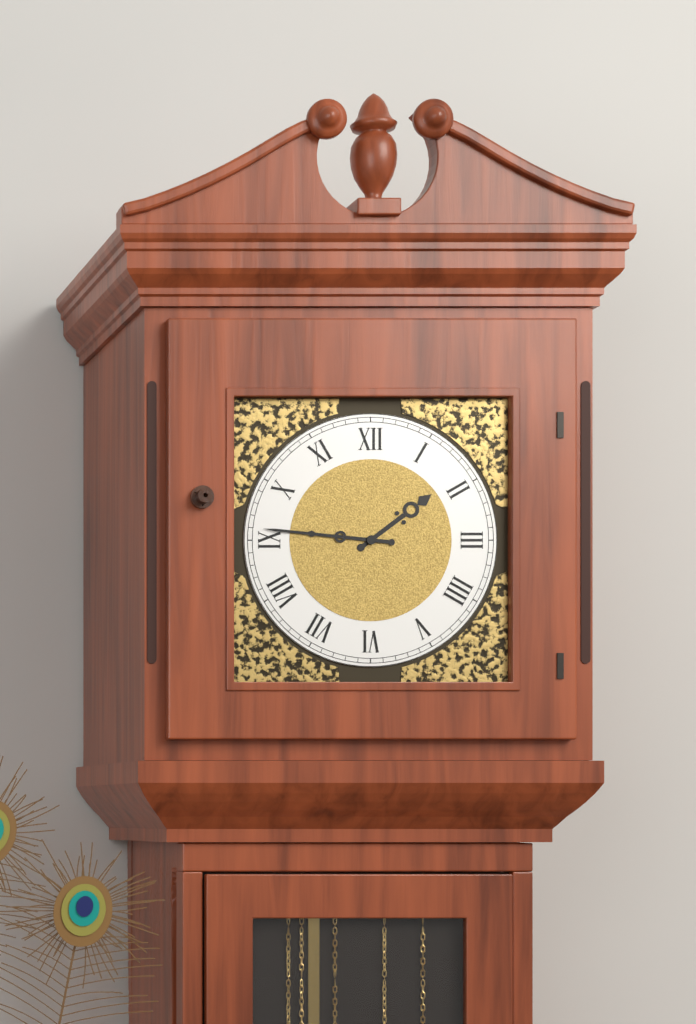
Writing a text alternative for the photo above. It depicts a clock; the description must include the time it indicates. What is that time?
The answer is 1:46
